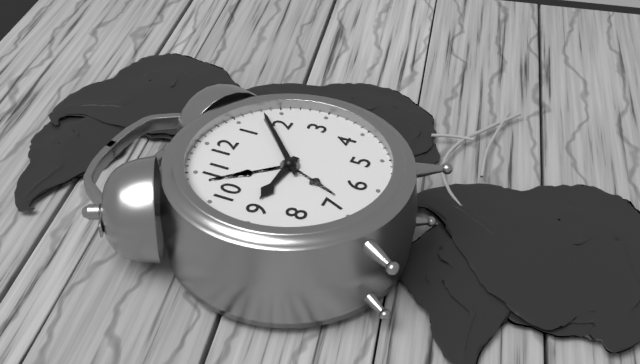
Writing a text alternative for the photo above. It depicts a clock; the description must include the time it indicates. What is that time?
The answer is 9:08
